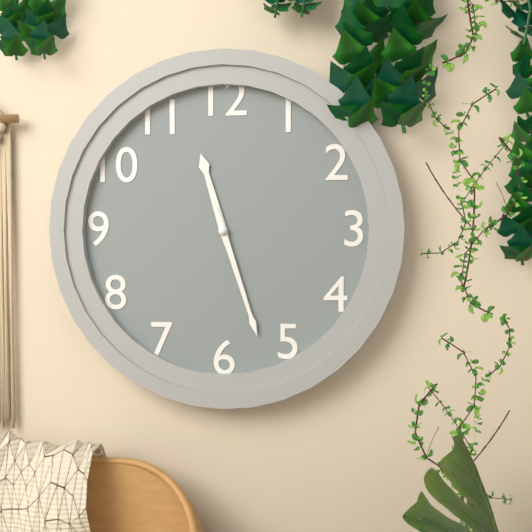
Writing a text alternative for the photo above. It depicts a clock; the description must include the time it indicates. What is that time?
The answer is 11:27
